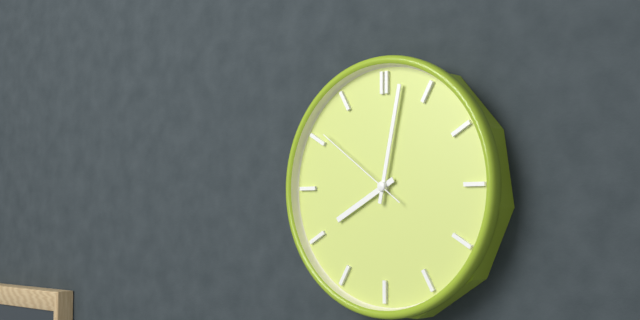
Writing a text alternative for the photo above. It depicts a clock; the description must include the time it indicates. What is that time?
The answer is 8:02:51
